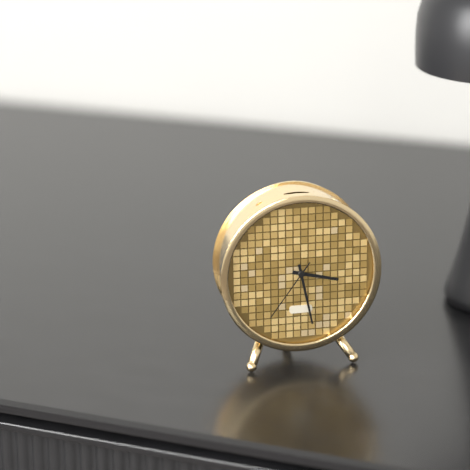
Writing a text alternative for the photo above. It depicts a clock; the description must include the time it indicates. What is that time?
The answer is 3:28:36
